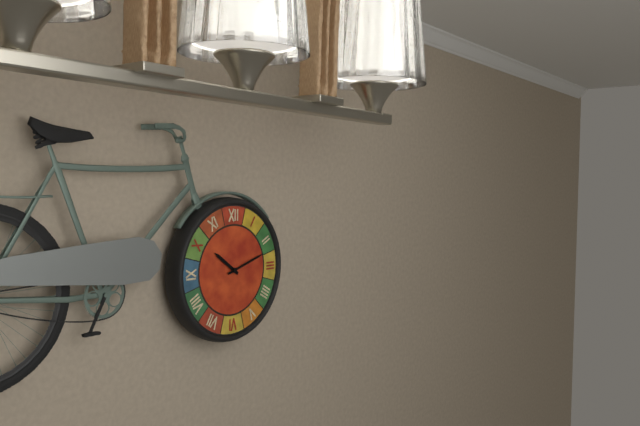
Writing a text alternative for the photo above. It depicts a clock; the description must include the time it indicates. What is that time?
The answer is 10:12
